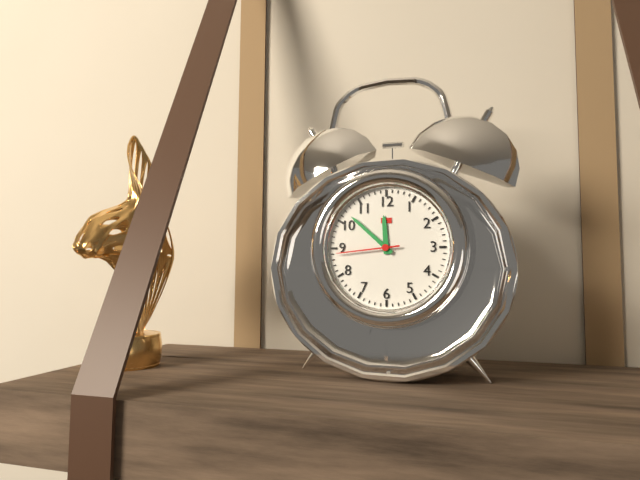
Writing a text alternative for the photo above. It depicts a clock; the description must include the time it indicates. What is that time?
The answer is 11:52:44
